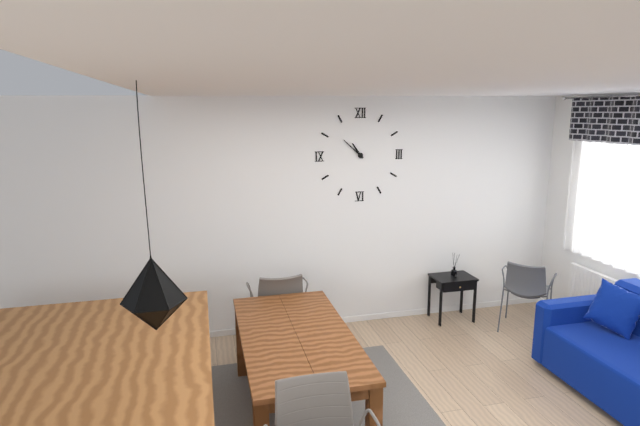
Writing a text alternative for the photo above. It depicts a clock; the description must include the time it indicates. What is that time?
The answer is 10:52
